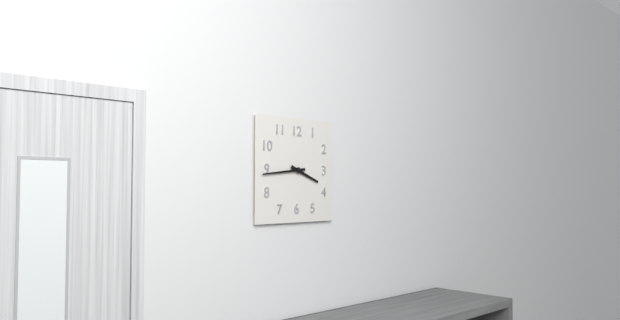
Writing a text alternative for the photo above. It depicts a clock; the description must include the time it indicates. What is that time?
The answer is 3:44
